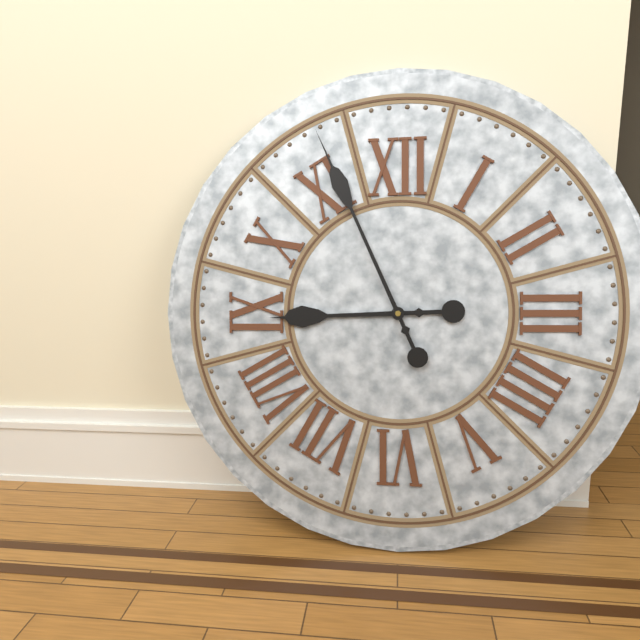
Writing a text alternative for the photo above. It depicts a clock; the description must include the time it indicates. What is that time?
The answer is 8:56
